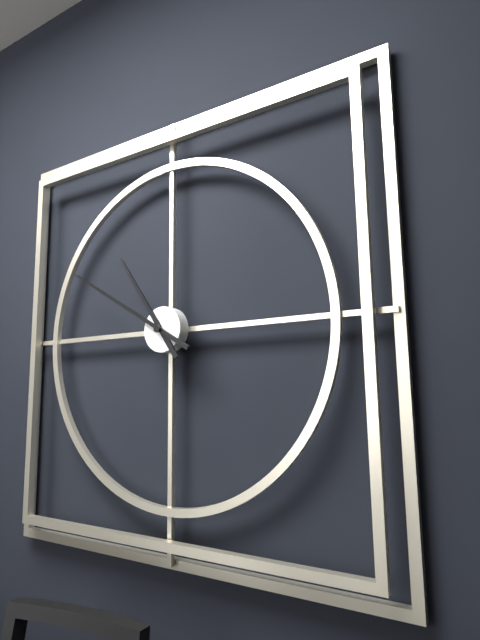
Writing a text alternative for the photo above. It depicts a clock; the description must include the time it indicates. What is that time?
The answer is 10:50
